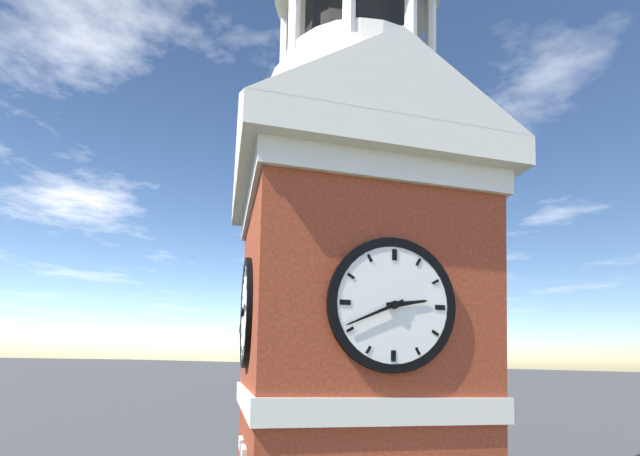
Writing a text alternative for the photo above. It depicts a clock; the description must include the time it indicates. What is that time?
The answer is 2:41
